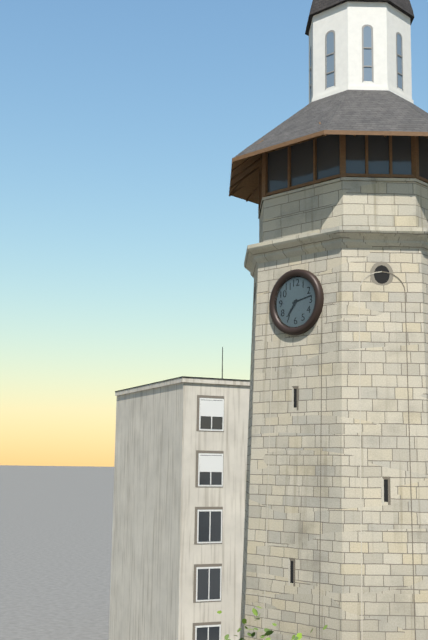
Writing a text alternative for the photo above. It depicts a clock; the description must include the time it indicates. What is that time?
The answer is 7:13
